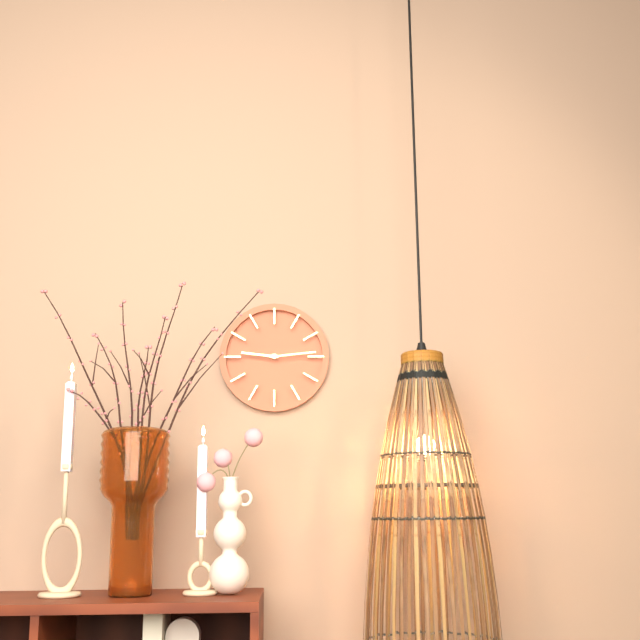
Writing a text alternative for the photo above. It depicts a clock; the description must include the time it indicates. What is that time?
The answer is 9:14
